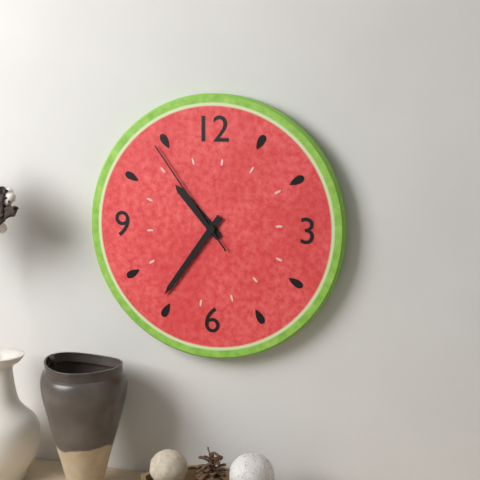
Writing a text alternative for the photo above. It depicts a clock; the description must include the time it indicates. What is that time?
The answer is 10:36:54
